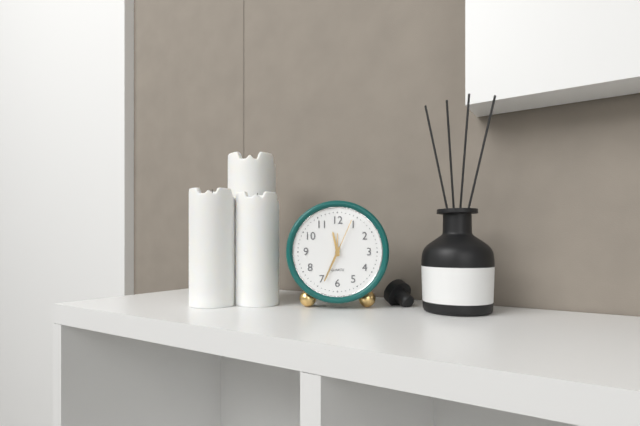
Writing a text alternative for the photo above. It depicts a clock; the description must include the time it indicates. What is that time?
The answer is 11:34
